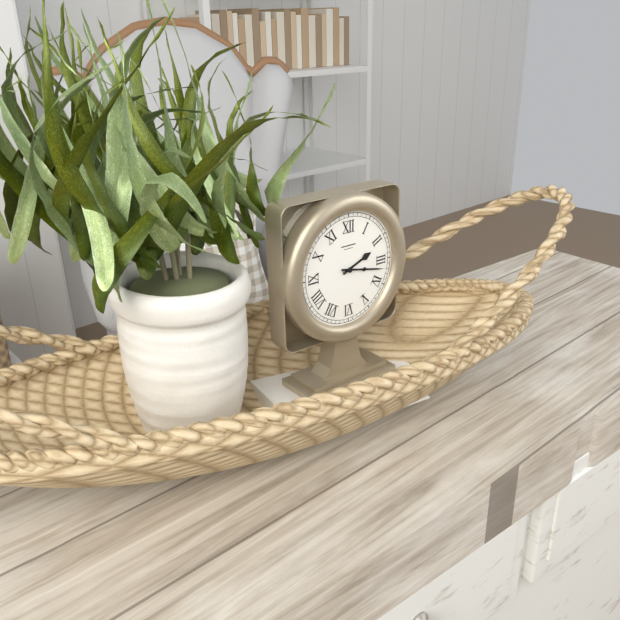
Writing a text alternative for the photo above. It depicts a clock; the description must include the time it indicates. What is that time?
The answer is 2:17
